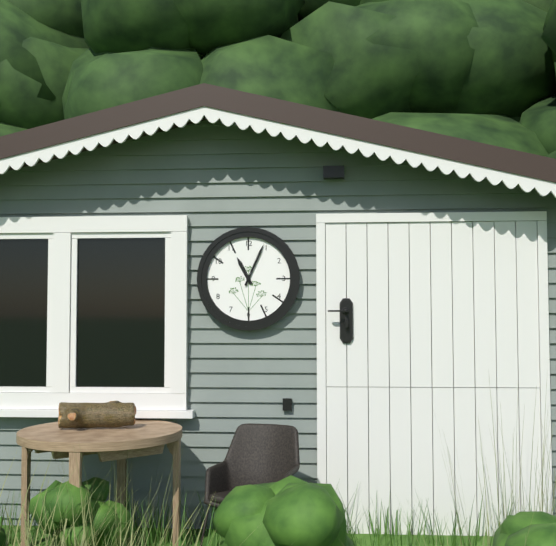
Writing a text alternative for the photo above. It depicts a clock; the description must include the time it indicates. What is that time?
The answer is 11:04
